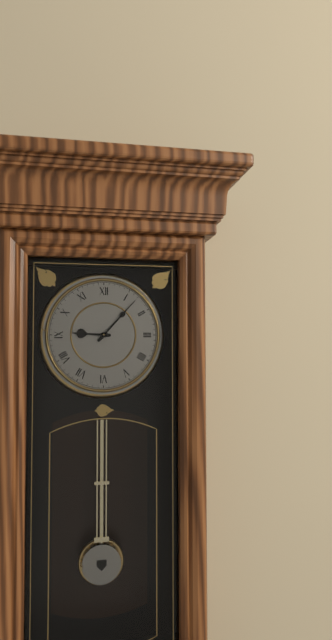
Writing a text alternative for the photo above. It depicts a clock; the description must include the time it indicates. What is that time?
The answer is 9:07
